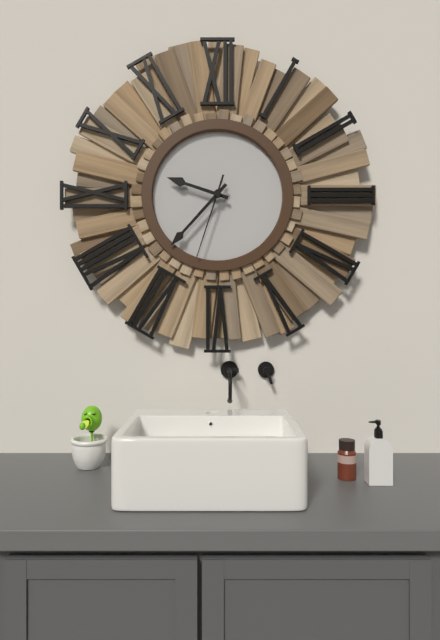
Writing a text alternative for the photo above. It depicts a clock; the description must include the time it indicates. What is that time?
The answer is 9:37:33
